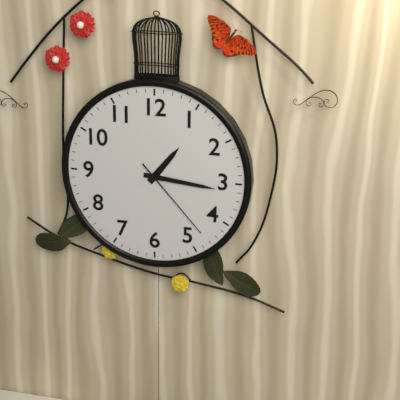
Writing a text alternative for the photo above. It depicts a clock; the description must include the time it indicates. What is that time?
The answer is 1:16:23
